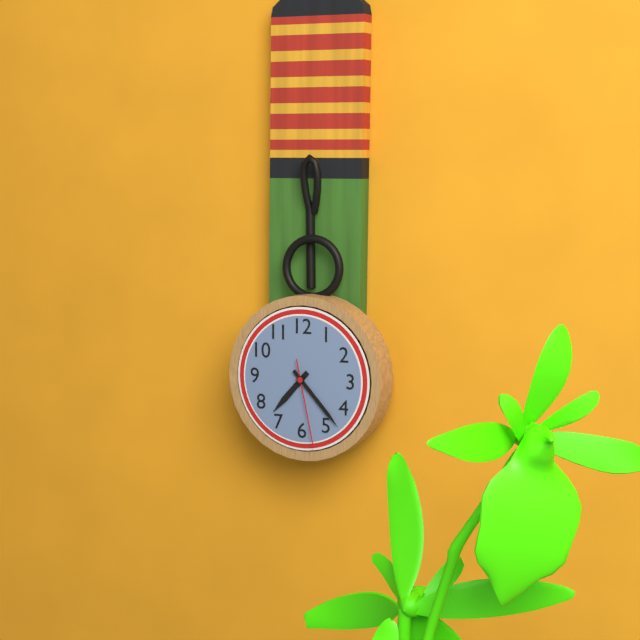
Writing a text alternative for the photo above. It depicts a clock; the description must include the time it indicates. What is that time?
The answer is 7:23:28
